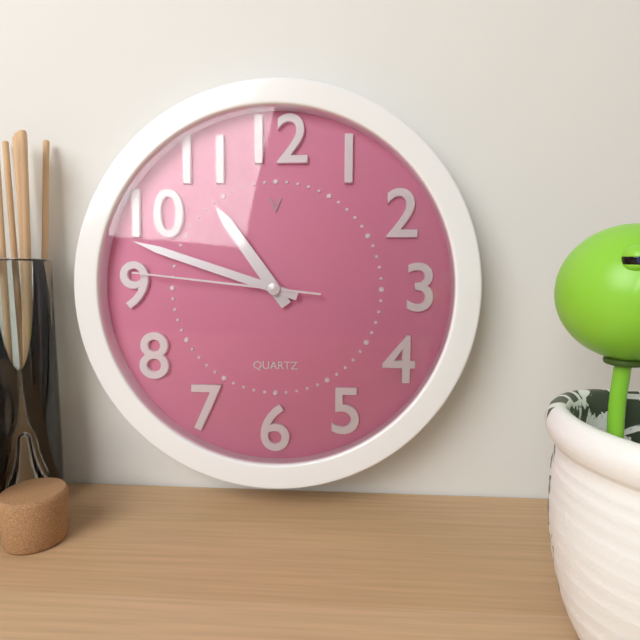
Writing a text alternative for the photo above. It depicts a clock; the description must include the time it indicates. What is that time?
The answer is 10:48:46
